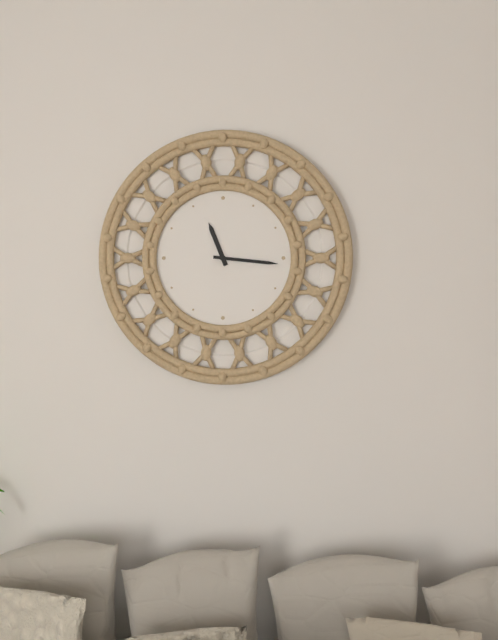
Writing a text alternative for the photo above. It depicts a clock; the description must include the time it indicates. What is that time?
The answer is 11:16
